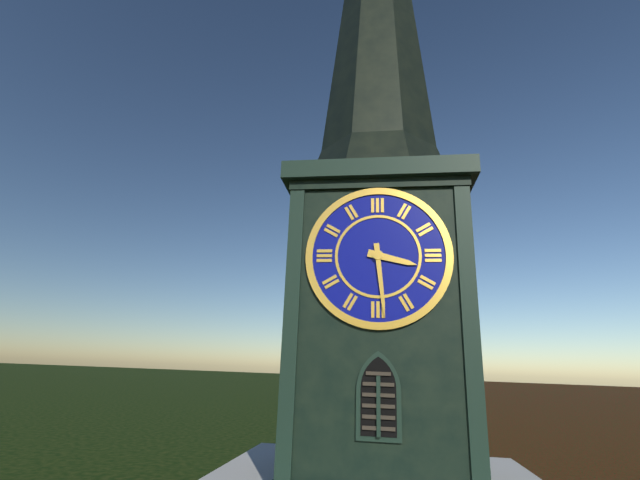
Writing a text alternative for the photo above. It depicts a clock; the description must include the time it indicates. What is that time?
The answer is 3:29
